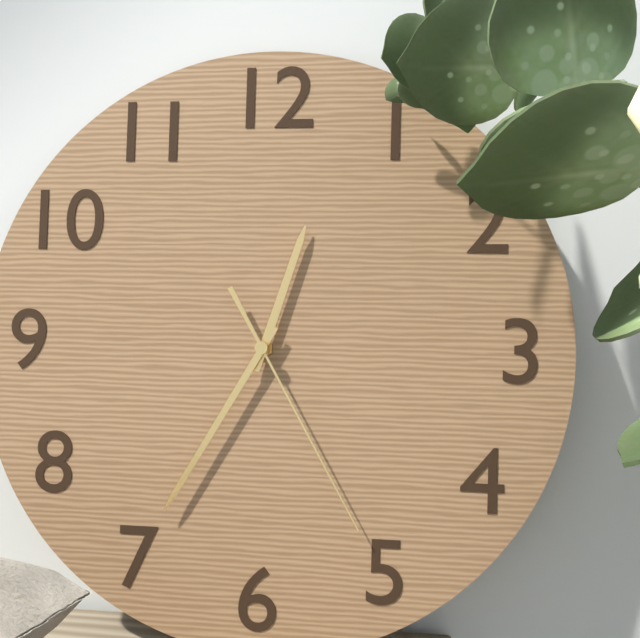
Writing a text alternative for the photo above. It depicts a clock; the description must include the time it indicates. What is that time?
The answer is 12:35:25
